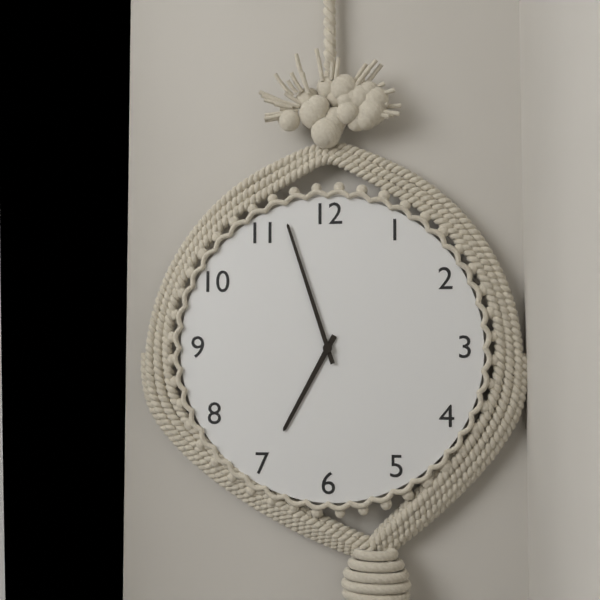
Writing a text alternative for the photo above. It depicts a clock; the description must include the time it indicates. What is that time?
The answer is 6:57
